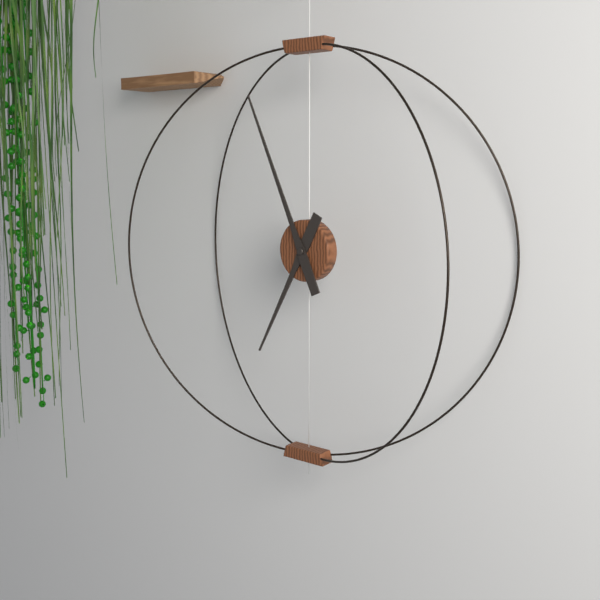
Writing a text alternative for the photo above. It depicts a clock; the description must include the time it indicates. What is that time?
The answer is 6:56
